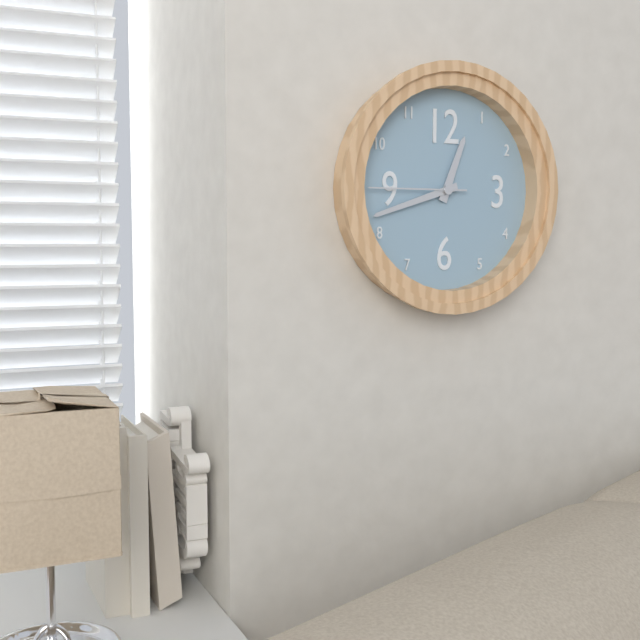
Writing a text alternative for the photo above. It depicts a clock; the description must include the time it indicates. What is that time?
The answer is 12:42:45
